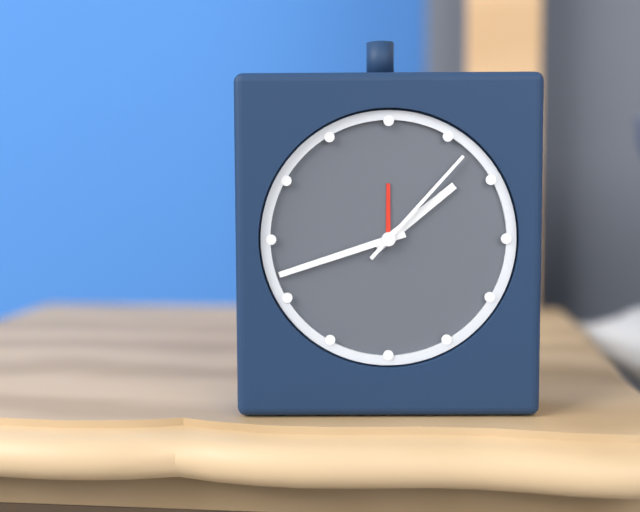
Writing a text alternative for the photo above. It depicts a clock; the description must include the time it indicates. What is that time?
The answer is 1:42:07
